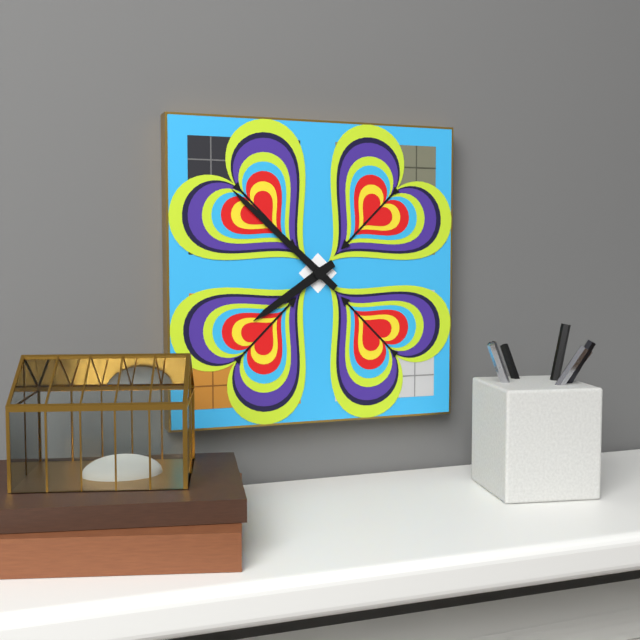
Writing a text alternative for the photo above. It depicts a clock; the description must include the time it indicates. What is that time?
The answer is 7:52
